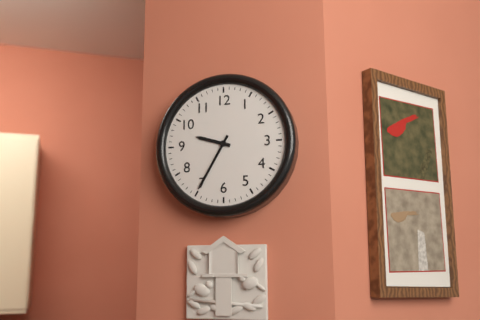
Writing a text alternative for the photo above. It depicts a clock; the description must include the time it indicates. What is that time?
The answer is 9:35
